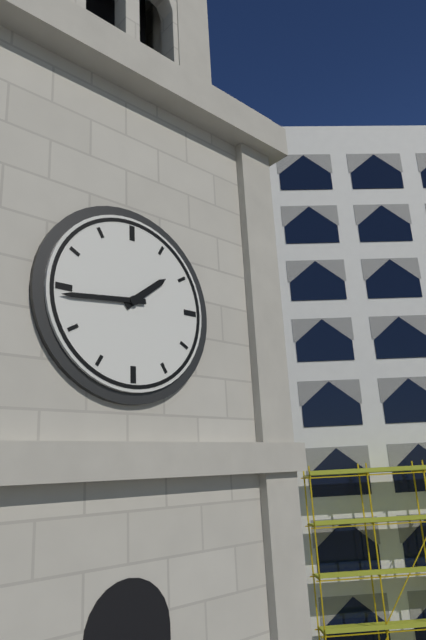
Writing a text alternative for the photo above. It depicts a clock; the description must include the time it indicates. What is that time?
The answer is 1:44
